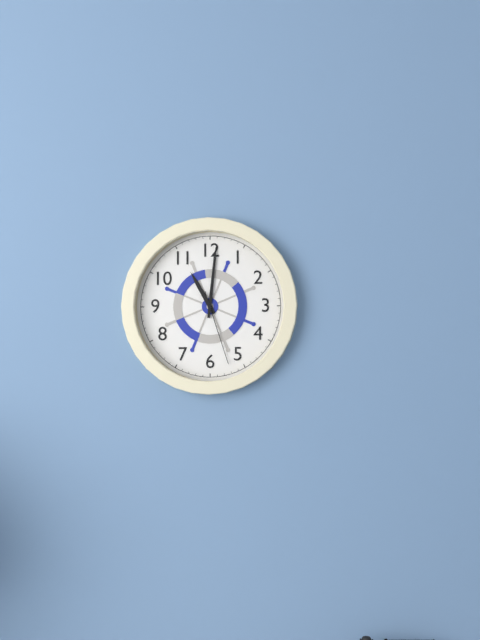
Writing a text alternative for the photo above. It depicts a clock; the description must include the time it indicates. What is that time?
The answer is 11:01:27
